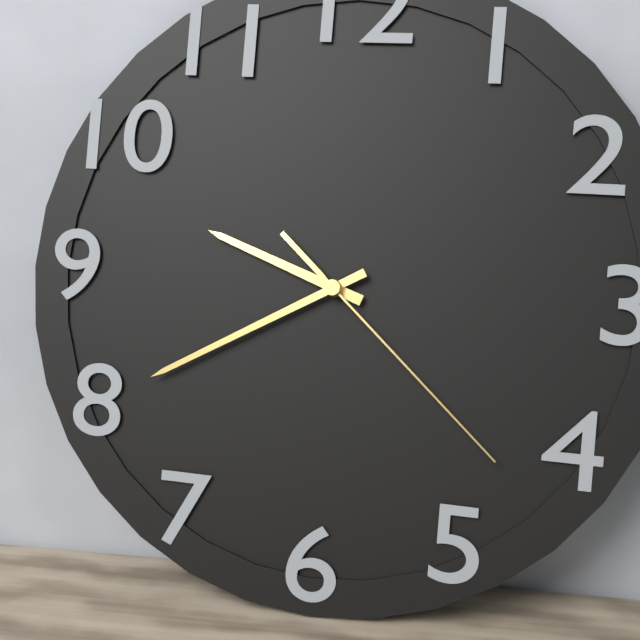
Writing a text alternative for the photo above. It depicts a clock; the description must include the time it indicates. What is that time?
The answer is 9:40:22
